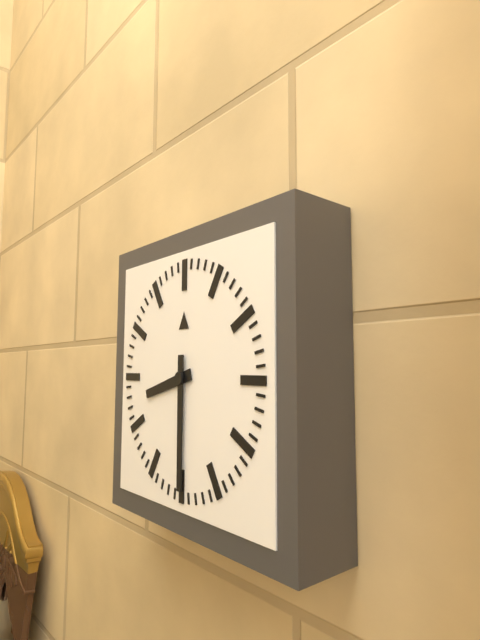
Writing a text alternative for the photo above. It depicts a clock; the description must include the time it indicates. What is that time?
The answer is 8:30
